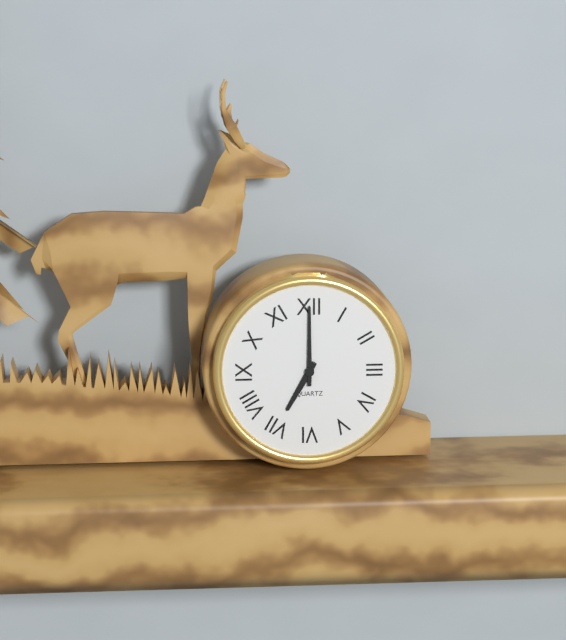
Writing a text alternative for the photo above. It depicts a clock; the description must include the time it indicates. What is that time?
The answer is 7:00
